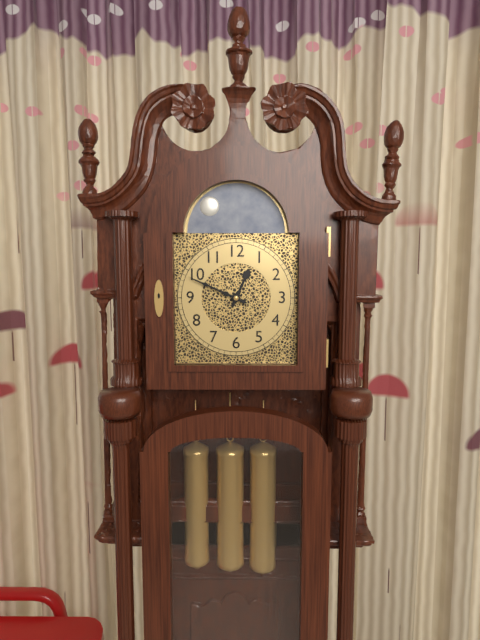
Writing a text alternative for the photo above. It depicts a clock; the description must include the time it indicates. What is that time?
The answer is 12:49
